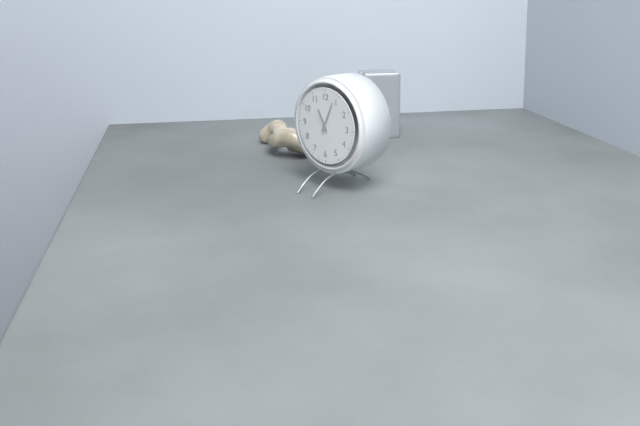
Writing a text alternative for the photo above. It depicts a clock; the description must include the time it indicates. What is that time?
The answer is 11:04
